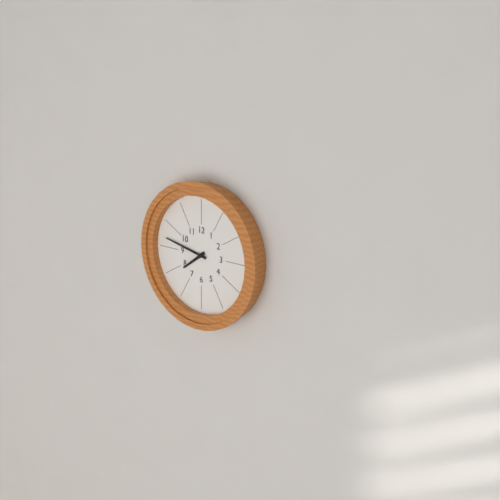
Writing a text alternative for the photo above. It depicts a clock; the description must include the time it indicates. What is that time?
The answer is 7:47
